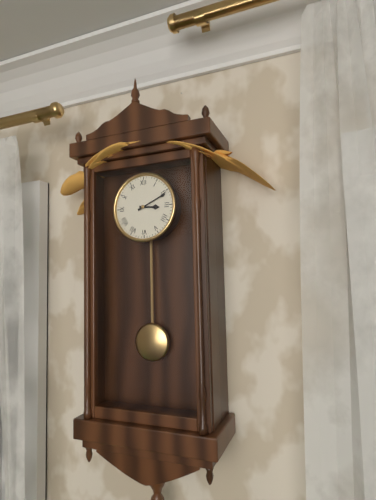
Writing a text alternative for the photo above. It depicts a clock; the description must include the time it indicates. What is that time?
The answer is 3:11
